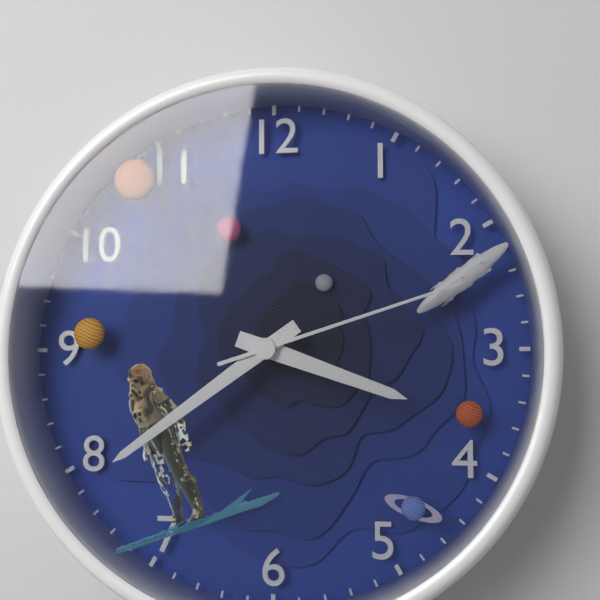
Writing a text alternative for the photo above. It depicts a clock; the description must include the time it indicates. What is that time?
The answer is 3:39:12
